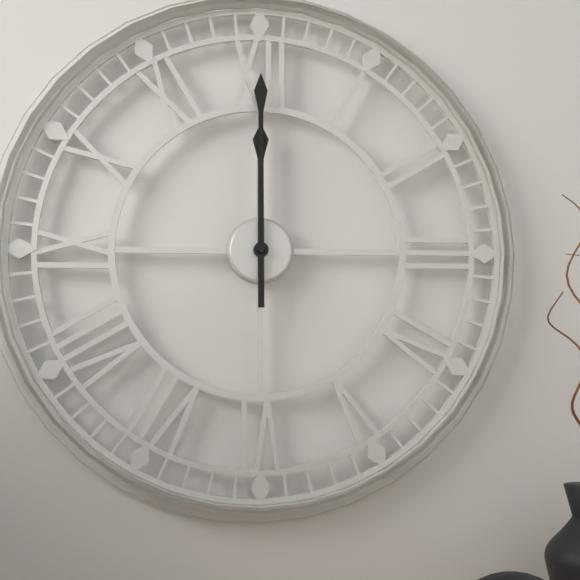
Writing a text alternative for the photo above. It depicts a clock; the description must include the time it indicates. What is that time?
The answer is 12:00
